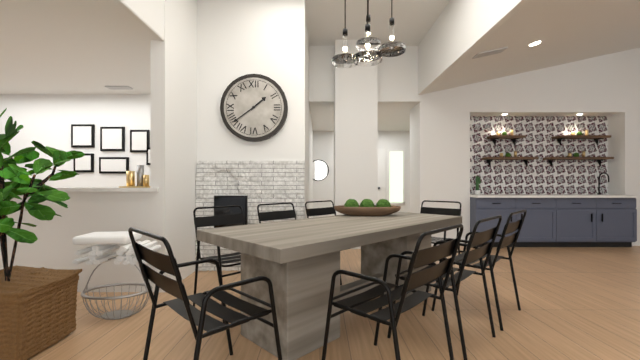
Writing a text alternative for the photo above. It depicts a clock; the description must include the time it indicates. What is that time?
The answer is 1:39
